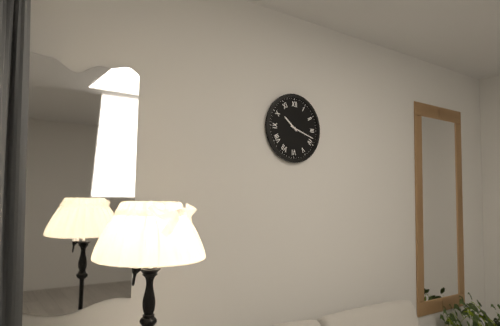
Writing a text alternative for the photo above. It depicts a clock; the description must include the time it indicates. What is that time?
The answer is 10:18
